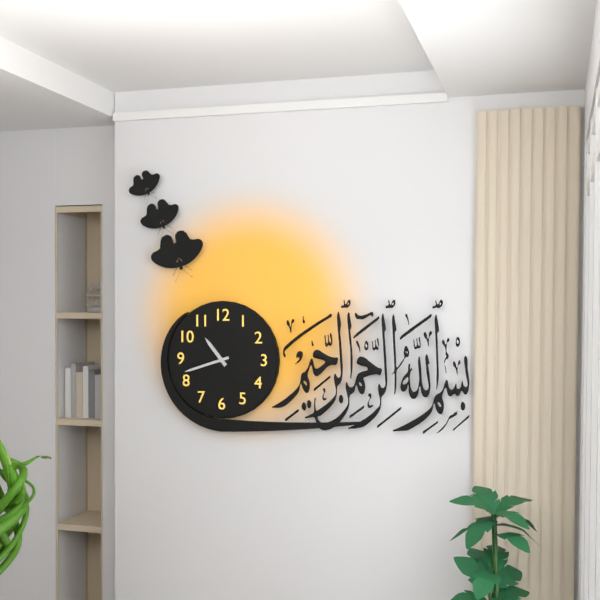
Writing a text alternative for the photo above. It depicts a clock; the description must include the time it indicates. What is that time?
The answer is 10:42
